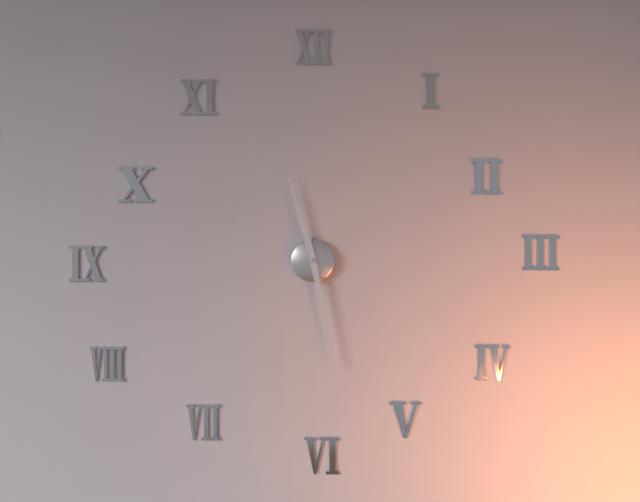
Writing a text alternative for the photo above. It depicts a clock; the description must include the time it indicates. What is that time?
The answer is 11:28
